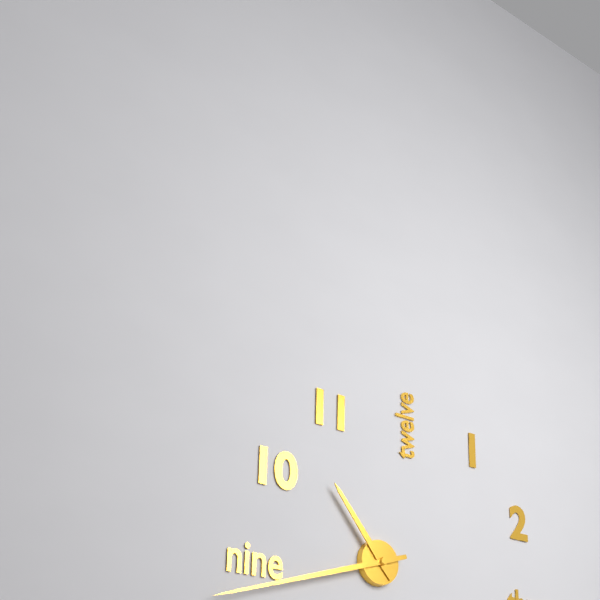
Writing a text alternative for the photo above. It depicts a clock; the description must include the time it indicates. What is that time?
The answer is 10:42
